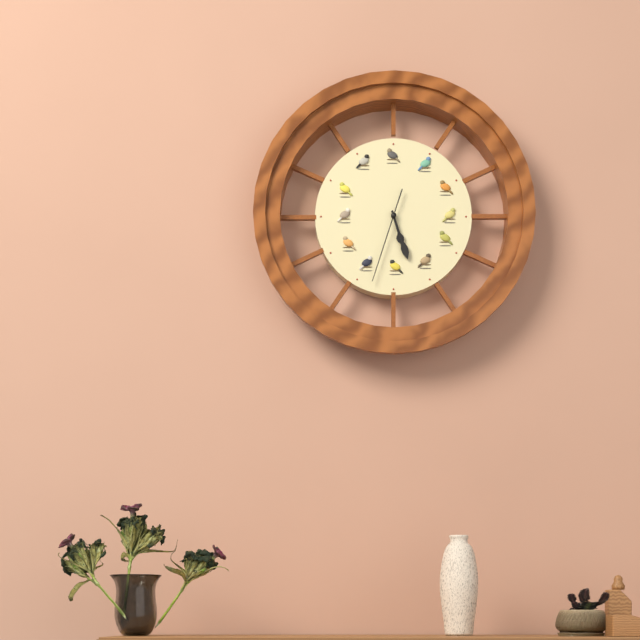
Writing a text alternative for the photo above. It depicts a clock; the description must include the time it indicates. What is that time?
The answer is 5:27:33
